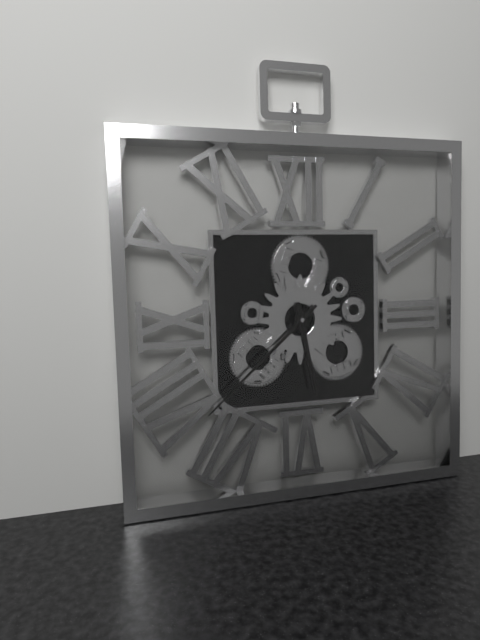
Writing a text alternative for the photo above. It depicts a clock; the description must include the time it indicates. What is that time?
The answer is 5:38
